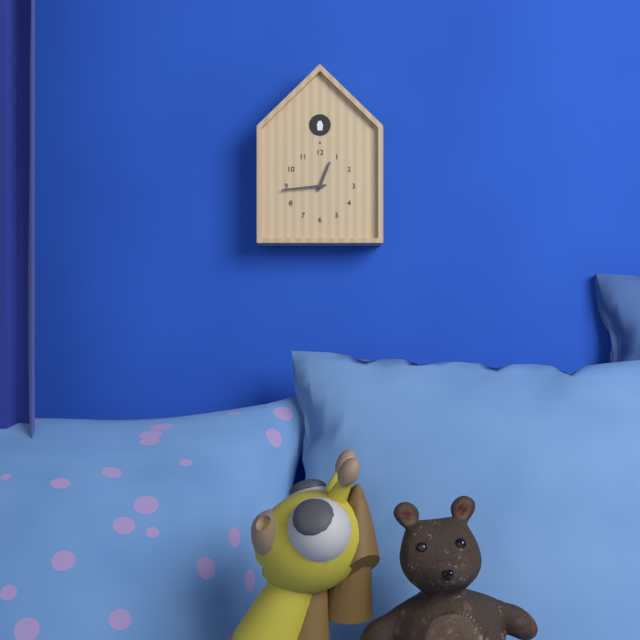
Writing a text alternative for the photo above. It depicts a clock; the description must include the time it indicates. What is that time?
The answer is 12:44
